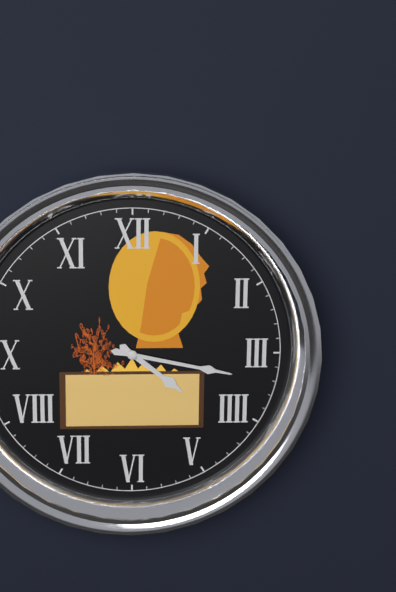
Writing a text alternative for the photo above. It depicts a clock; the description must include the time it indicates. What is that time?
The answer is 4:17
